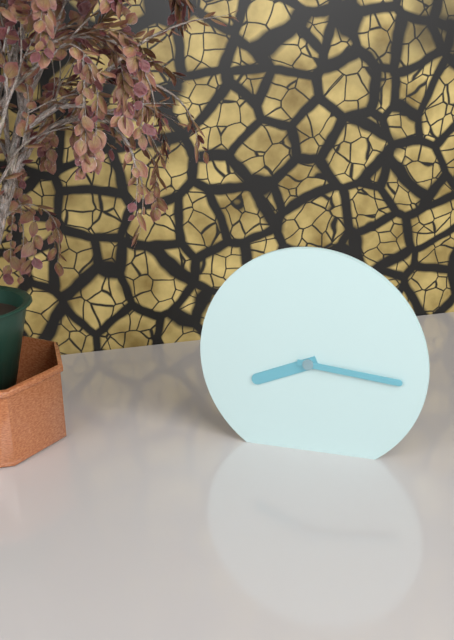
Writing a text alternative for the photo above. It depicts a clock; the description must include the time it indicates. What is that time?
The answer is 8:16
